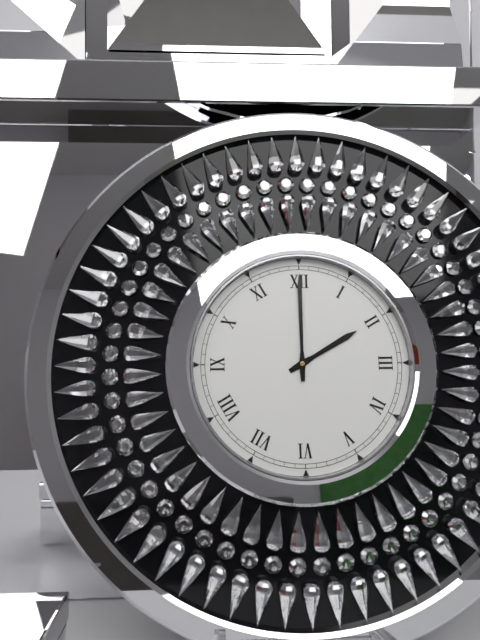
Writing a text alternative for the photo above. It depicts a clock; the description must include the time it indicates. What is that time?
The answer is 2:00
